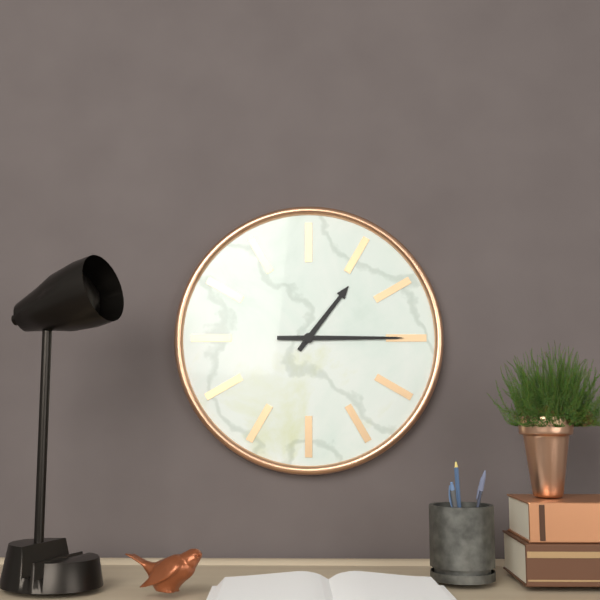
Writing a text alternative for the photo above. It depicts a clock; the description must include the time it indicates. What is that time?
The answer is 1:15
